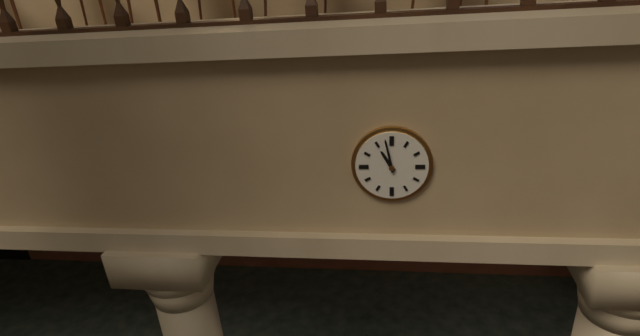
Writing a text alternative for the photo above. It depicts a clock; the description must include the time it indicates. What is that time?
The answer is 10:58
